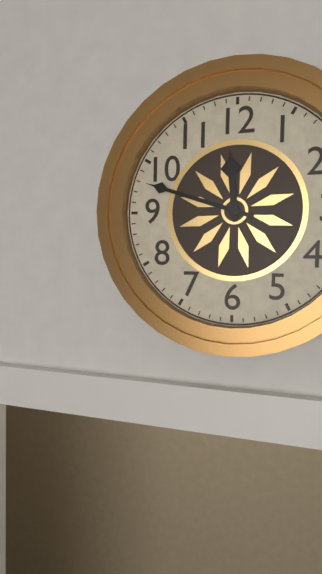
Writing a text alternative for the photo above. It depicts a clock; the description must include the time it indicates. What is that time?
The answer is 11:48
